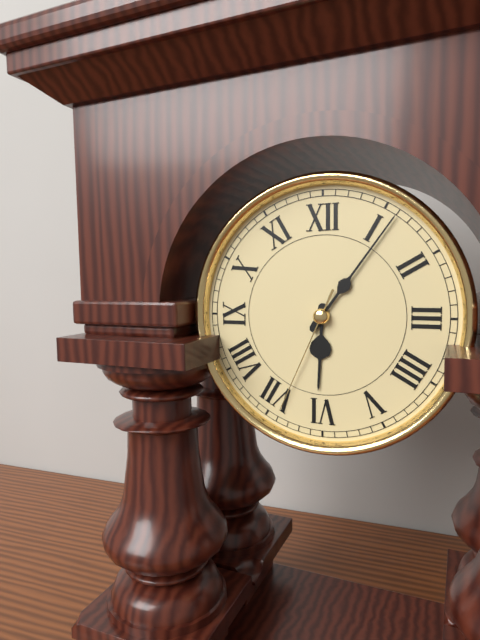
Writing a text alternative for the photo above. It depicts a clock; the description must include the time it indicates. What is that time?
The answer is 6:06:34
